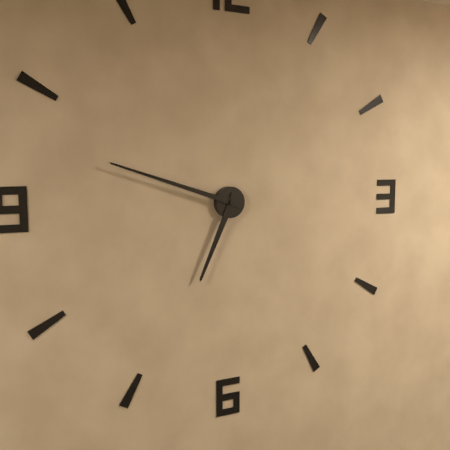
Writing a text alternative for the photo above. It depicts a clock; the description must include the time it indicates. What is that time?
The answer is 6:48
